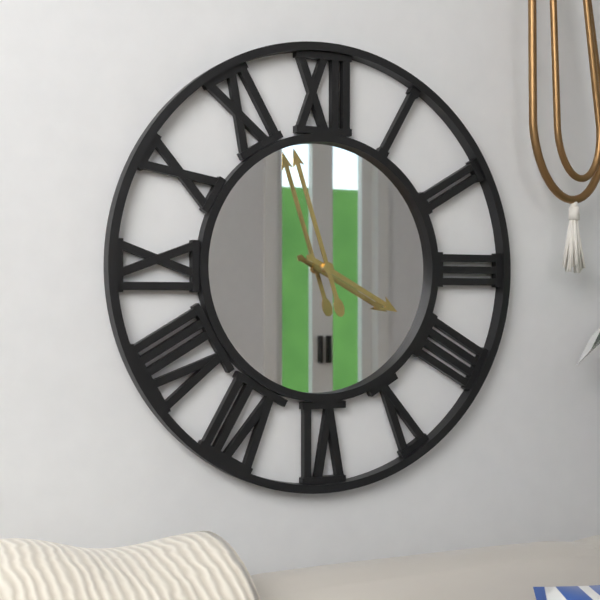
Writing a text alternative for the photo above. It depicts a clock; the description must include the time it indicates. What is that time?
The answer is 3:57
